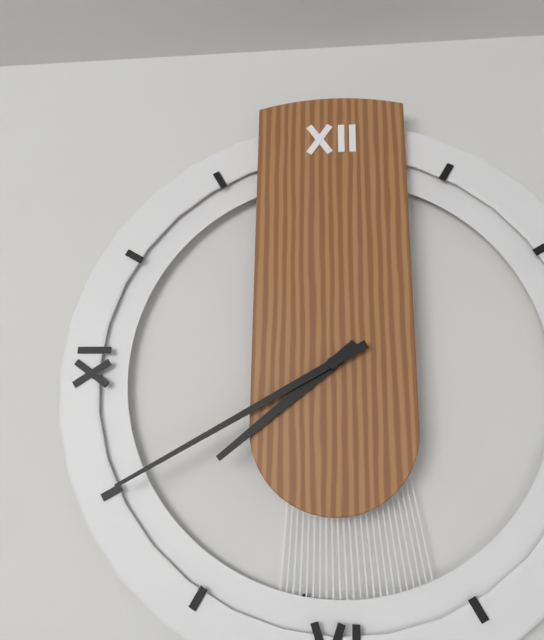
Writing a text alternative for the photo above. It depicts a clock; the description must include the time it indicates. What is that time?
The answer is 7:40
